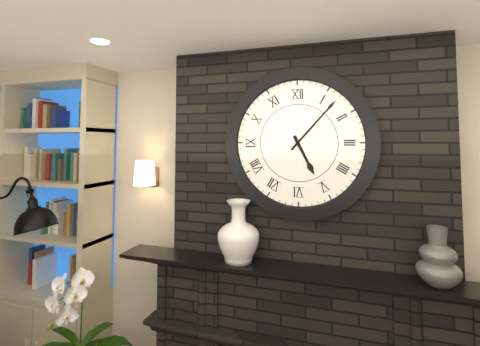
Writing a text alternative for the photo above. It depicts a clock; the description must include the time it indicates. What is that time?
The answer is 5:07
